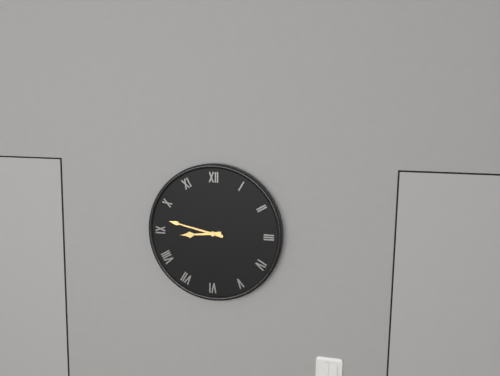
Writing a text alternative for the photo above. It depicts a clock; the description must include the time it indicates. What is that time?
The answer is 8:47
